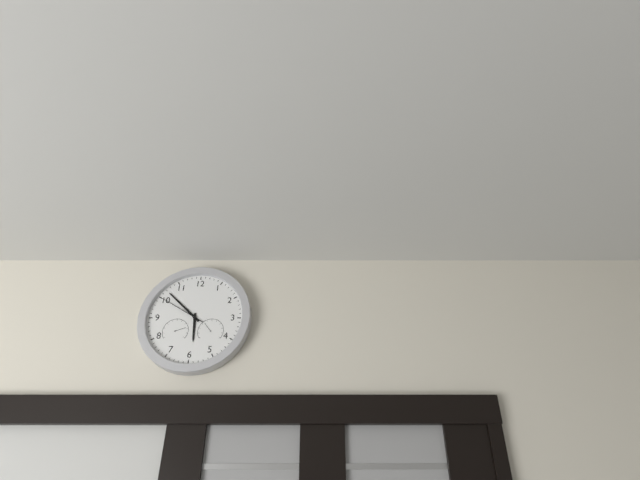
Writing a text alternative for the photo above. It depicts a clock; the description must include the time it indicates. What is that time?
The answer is 5:52
